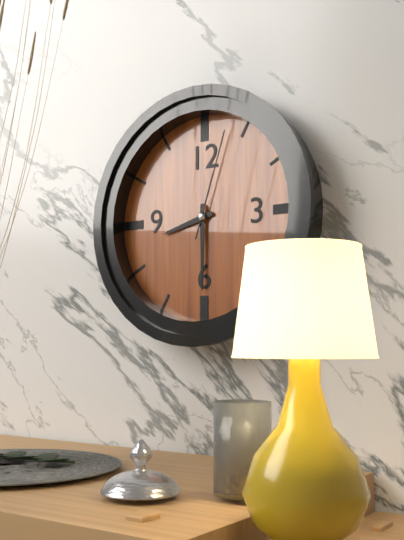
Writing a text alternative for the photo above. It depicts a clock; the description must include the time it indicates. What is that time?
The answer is 8:30:03
